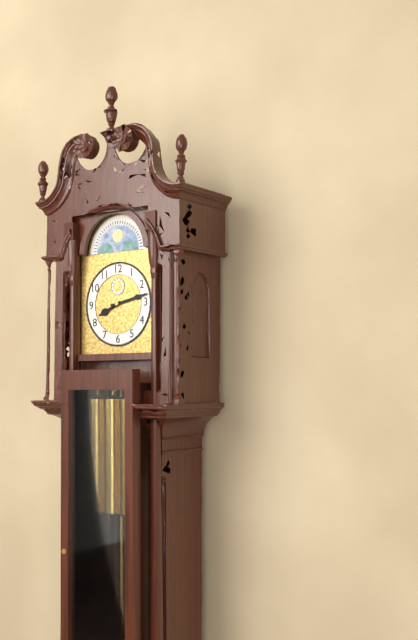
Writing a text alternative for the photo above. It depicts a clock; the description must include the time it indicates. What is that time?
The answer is 8:13
